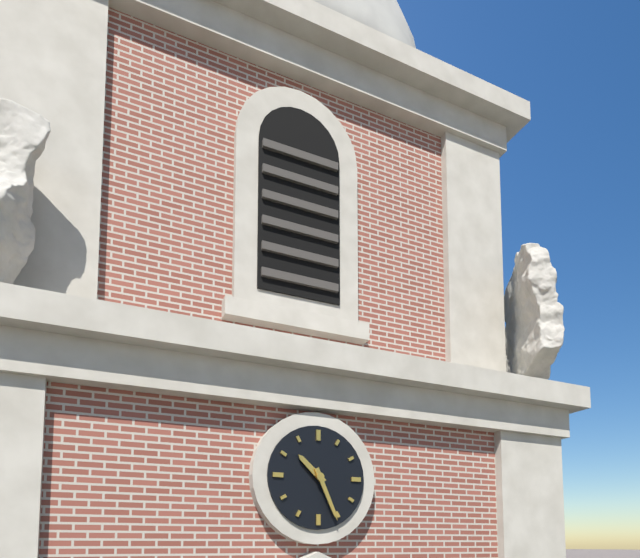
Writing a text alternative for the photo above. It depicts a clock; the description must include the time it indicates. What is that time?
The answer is 10:26
